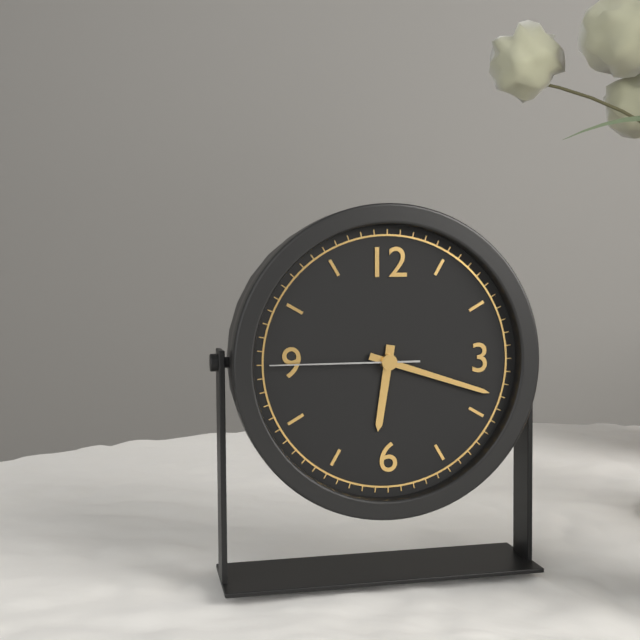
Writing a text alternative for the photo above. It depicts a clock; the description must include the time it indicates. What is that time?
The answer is 6:18:45
